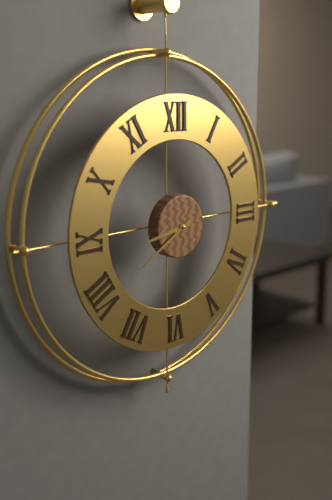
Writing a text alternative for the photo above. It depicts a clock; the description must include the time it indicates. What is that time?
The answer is 8:40
